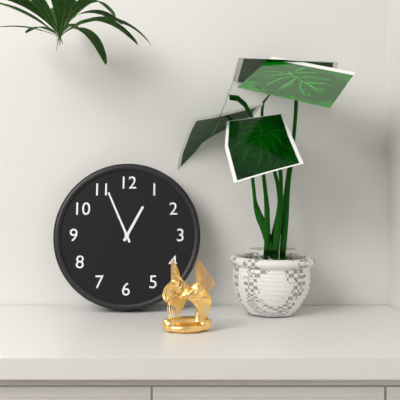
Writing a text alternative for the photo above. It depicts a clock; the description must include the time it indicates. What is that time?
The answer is 12:56
